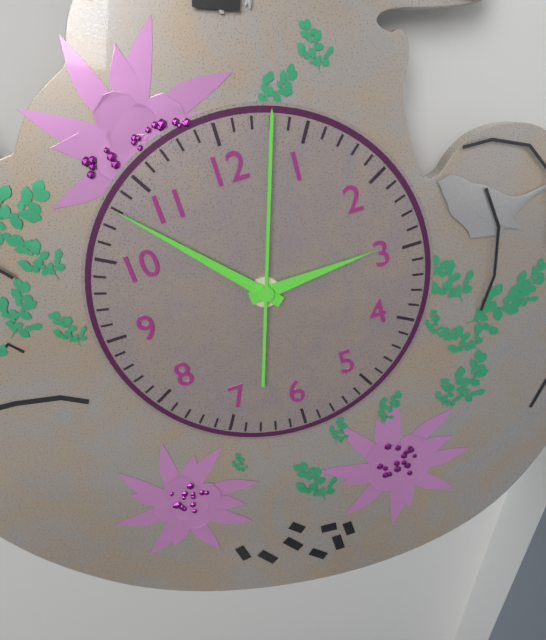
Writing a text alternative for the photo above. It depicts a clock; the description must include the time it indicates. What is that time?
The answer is 2:53:03
